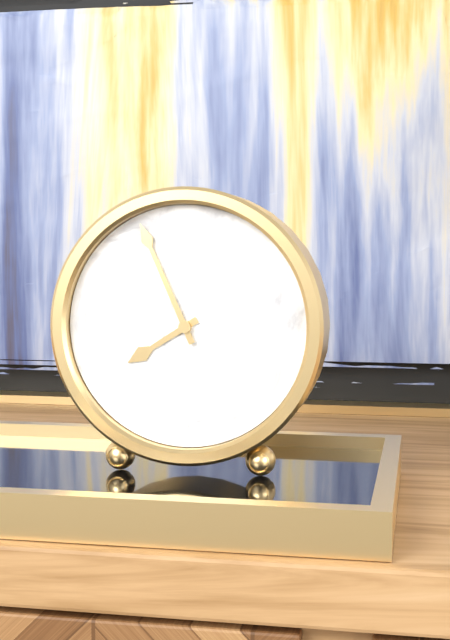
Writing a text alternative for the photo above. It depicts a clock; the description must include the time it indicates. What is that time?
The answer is 7:56
